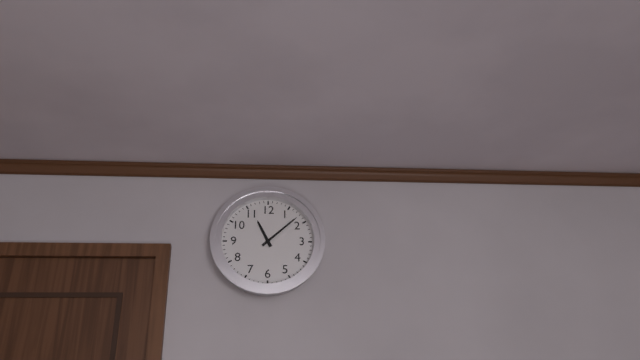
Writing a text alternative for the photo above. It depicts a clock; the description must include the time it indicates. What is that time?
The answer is 11:08
